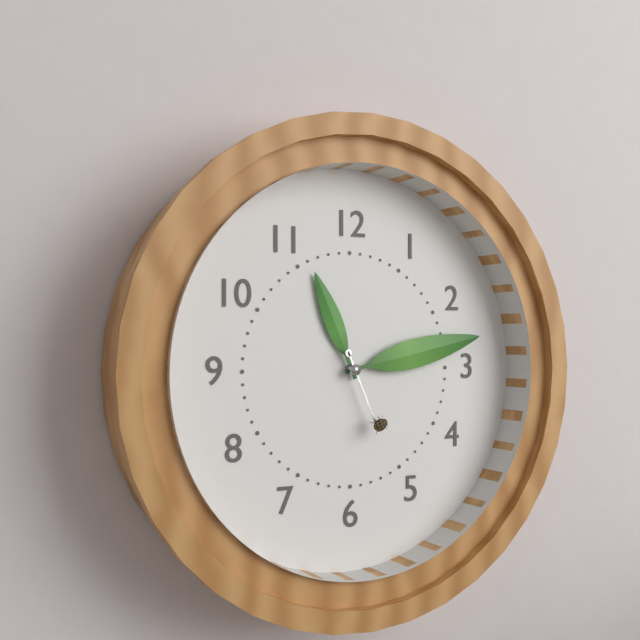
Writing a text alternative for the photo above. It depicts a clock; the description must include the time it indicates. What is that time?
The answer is 11:13:26
